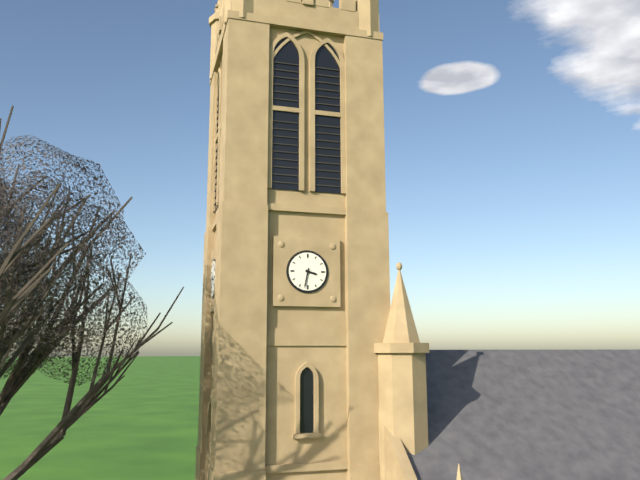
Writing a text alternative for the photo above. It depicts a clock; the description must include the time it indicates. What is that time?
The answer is 3:32
